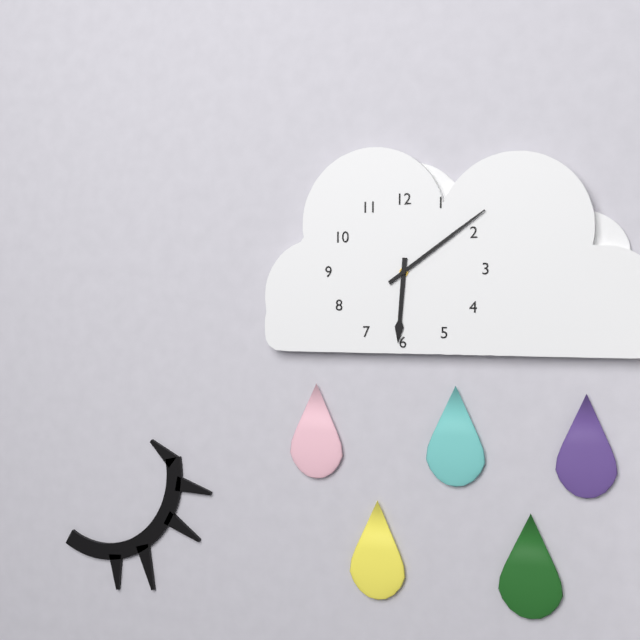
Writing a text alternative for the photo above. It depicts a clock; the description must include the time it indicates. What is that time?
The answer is 6:09
